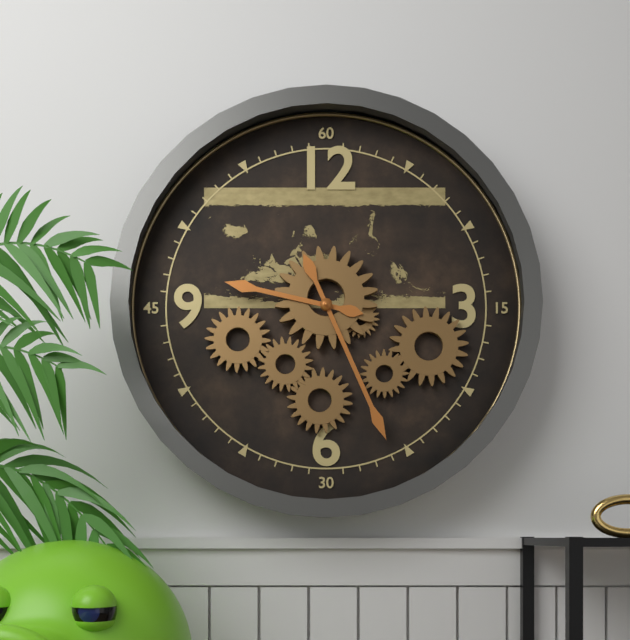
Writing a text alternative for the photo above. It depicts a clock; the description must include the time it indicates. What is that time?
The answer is 9:26
